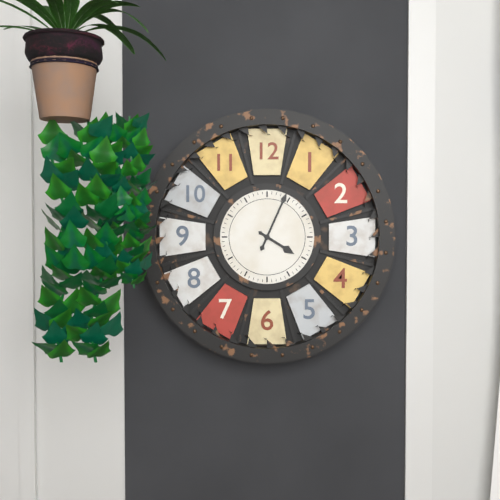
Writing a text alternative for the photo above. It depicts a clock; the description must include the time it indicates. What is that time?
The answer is 4:04
